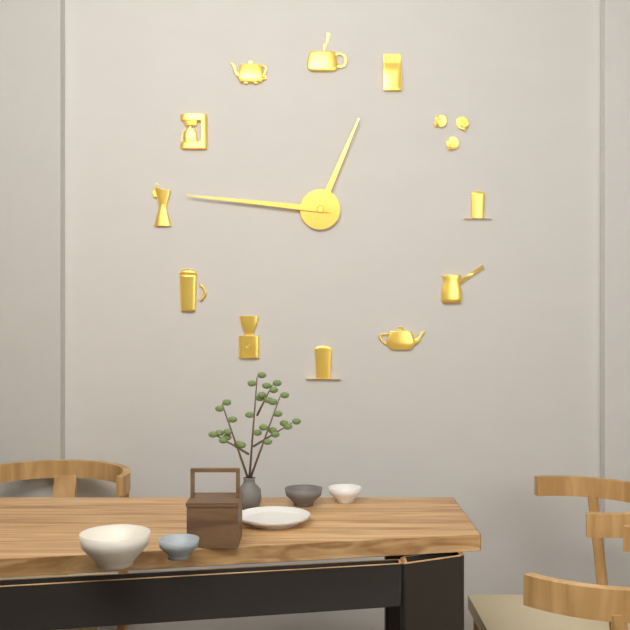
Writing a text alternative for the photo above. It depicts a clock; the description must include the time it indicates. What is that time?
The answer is 12:46
